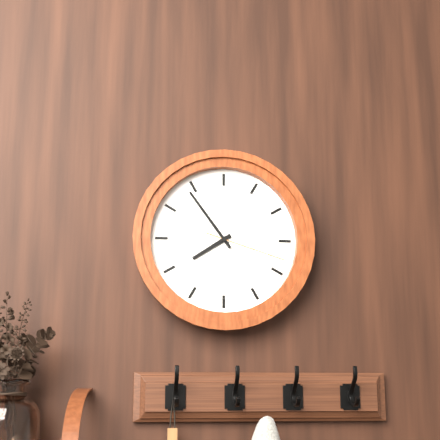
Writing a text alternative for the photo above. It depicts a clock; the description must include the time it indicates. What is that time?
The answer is 7:54:18
